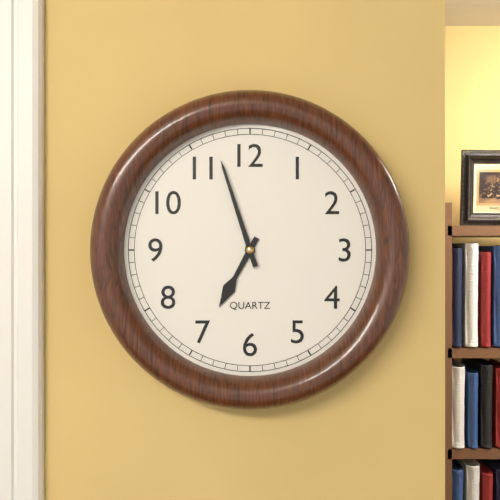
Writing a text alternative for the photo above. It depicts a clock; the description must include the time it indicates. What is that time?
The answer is 6:57
